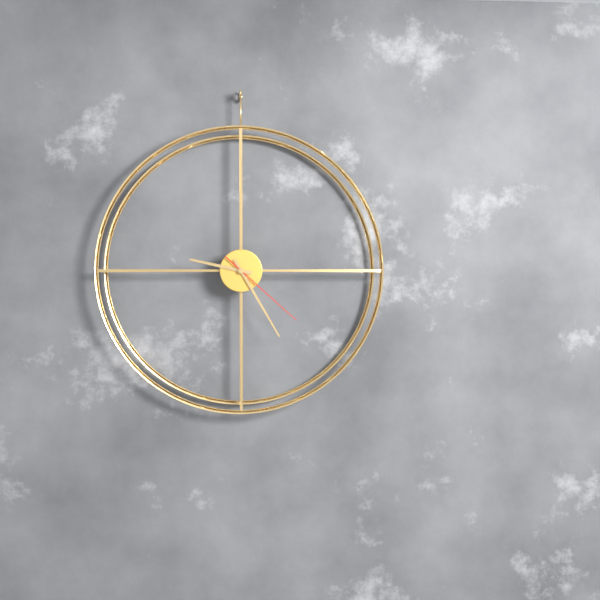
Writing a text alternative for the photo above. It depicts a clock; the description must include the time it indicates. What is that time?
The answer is 9:25:22
